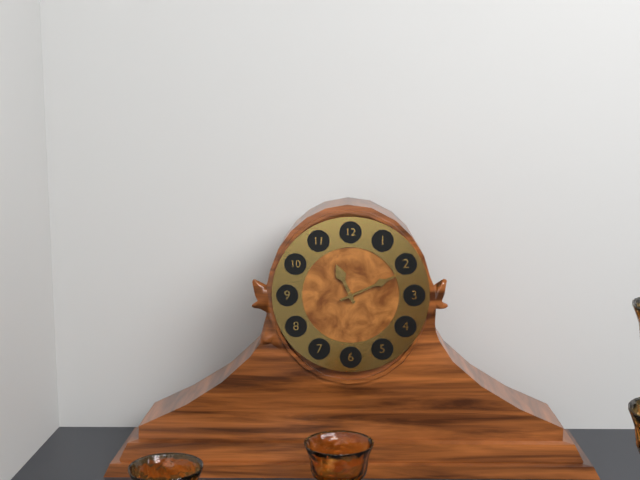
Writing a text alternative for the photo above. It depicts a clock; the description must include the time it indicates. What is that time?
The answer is 11:11
